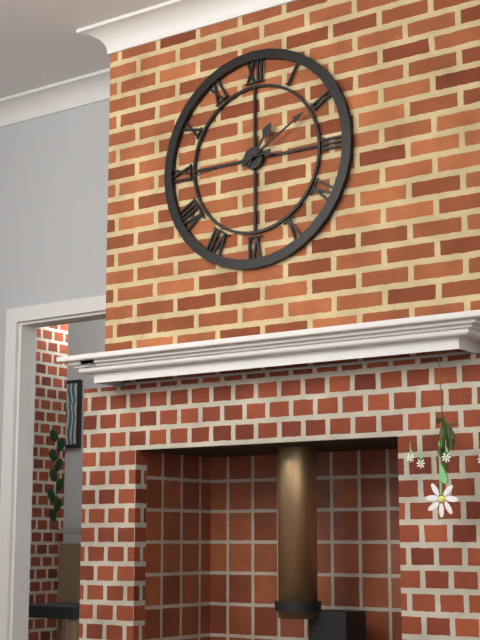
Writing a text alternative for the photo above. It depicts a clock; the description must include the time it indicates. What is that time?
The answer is 1:10:44
